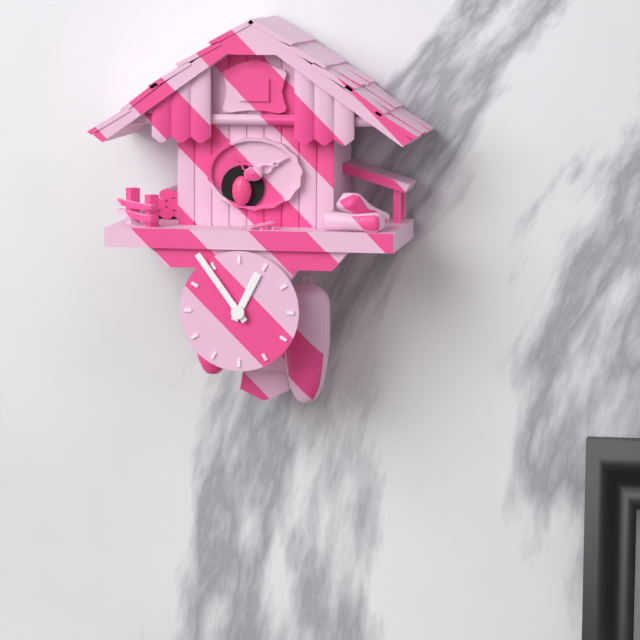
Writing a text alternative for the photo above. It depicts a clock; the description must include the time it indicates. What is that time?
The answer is 12:54
